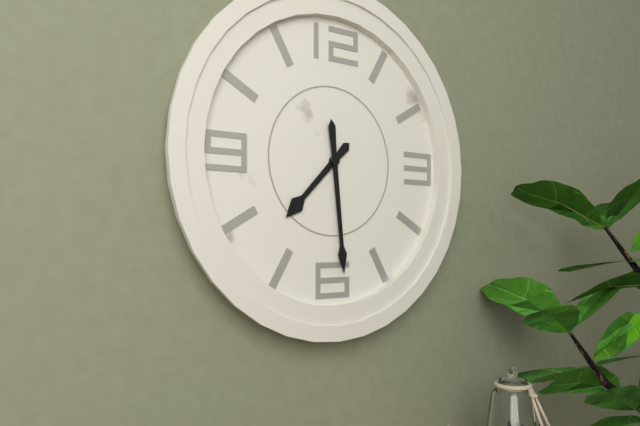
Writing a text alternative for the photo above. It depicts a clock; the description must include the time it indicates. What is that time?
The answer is 7:29
